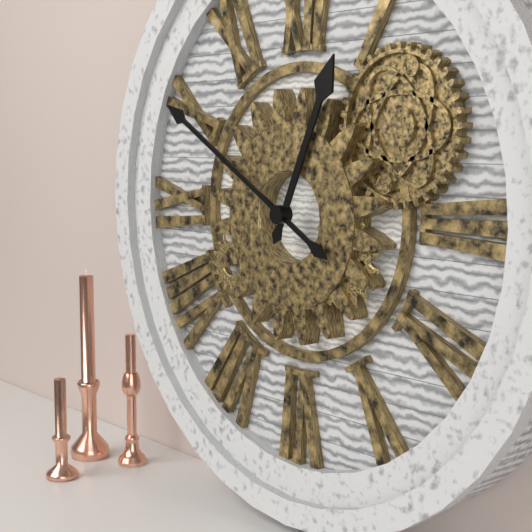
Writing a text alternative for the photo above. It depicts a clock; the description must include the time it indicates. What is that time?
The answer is 12:50
